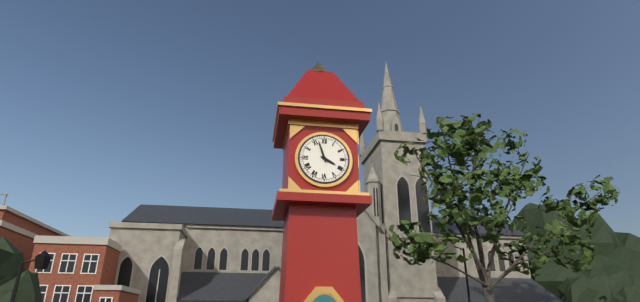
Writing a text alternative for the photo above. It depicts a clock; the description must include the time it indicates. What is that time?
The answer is 3:57
